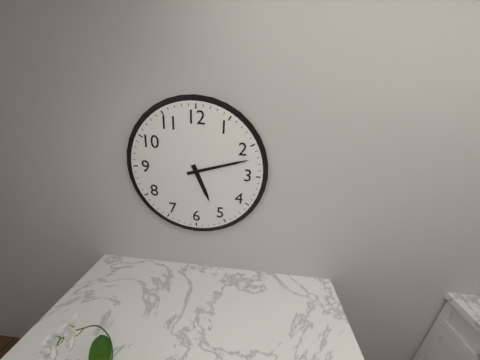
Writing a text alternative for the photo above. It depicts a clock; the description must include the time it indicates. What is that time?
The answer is 5:12
